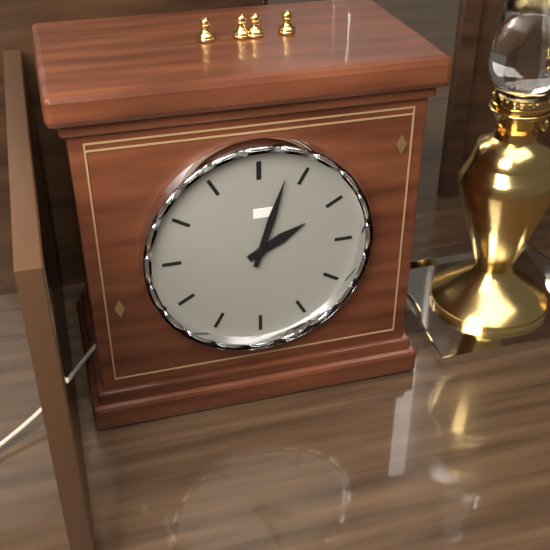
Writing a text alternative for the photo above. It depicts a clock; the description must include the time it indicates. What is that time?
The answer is 2:03
